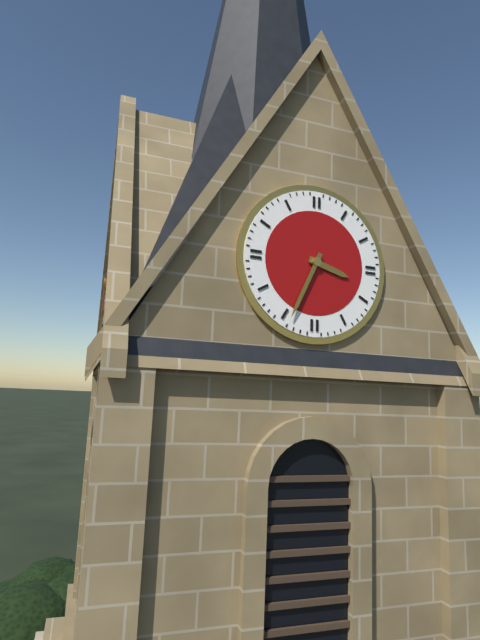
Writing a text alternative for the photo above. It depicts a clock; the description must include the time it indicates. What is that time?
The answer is 3:34
